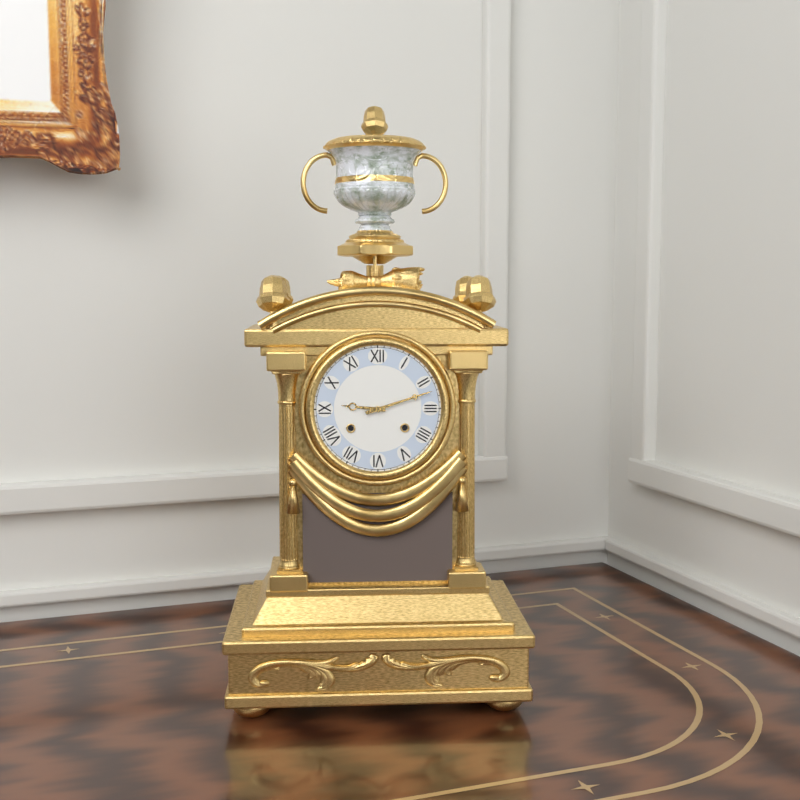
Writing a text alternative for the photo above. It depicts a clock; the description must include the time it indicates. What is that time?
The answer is 9:12
